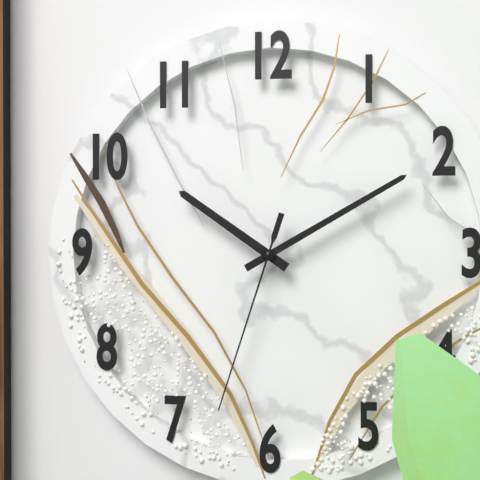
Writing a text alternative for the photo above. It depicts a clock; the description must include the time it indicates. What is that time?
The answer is 10:10:33
